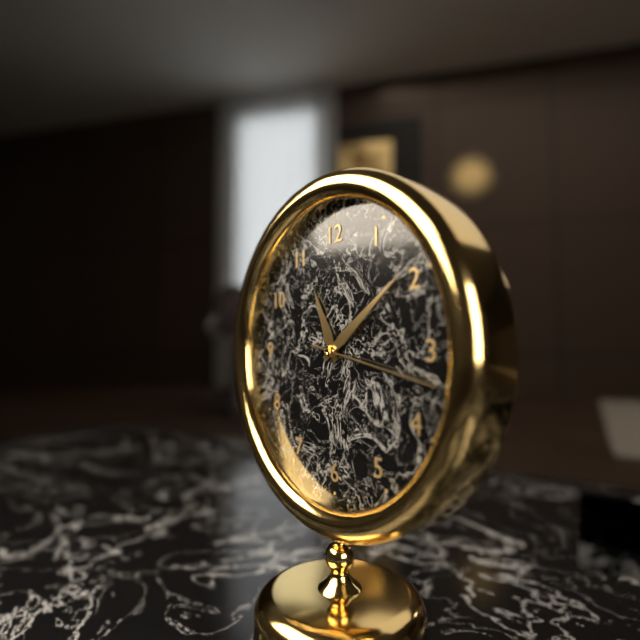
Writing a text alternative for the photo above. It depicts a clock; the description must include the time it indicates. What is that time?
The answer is 11:09:17
